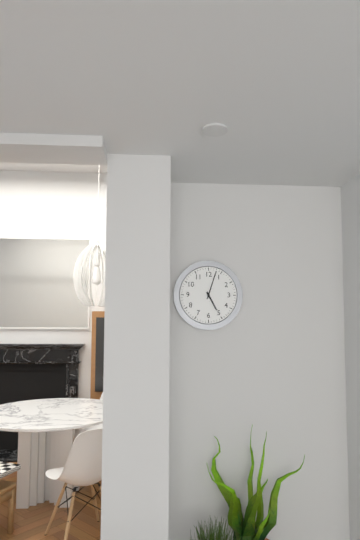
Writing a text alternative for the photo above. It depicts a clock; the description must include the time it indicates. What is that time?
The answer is 5:03
